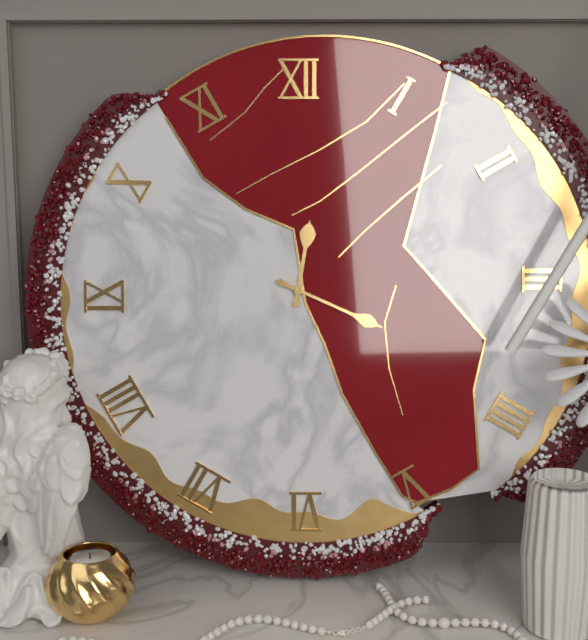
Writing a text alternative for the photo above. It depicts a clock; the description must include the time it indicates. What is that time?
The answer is 12:19
